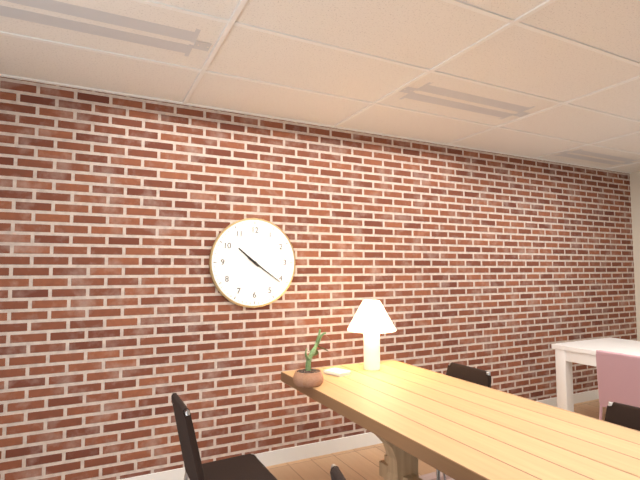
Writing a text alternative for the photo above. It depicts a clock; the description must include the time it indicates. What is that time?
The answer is 10:21
